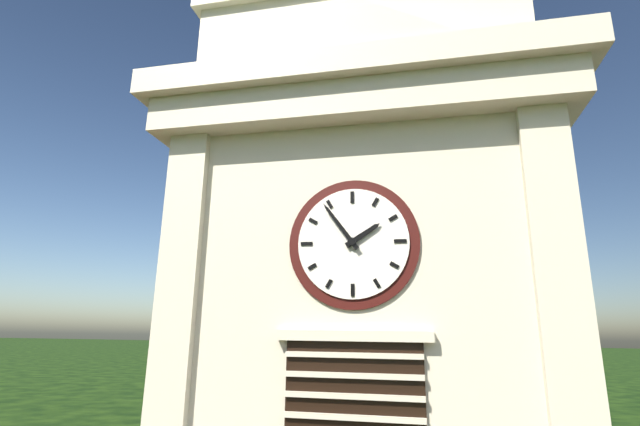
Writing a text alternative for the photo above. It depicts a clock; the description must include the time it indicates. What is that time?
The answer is 1:54
